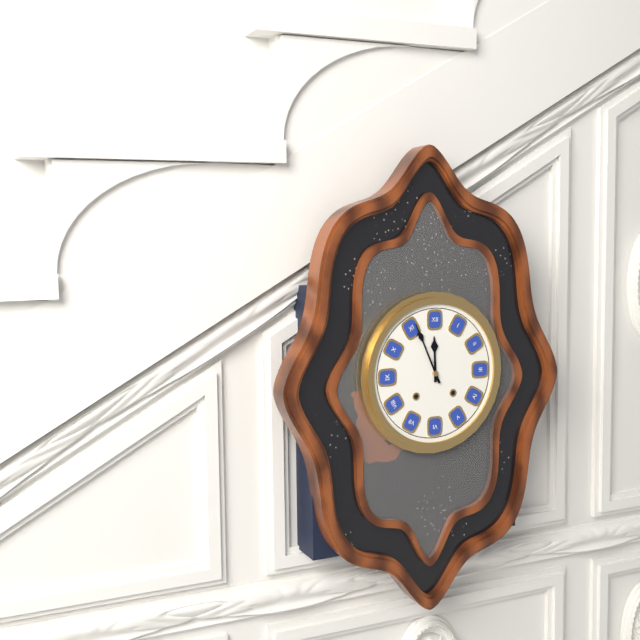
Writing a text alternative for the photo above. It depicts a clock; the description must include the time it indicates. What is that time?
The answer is 11:56
